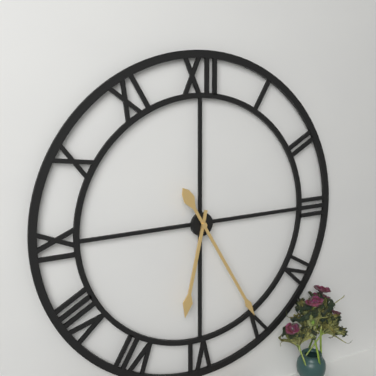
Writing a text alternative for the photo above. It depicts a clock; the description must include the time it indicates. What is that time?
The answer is 6:25
